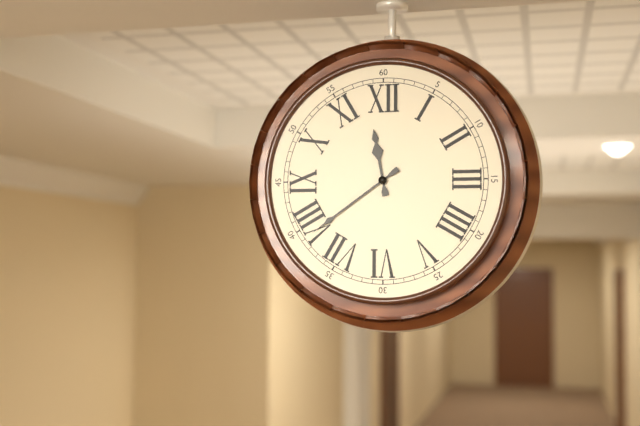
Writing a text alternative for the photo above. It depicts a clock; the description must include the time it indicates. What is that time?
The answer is 11:39
